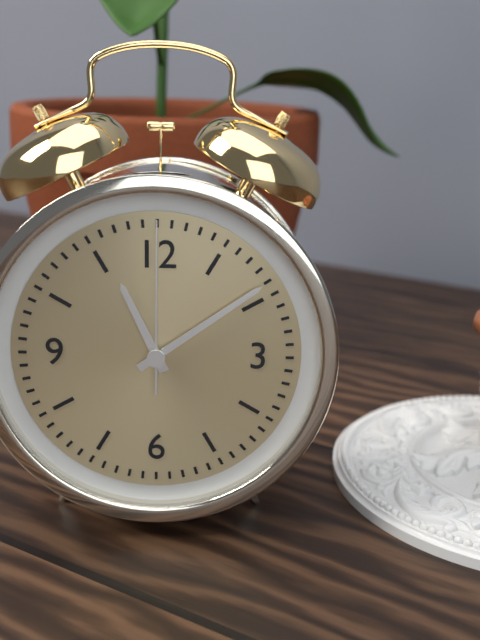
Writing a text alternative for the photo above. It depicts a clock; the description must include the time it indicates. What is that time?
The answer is 11:09:00
